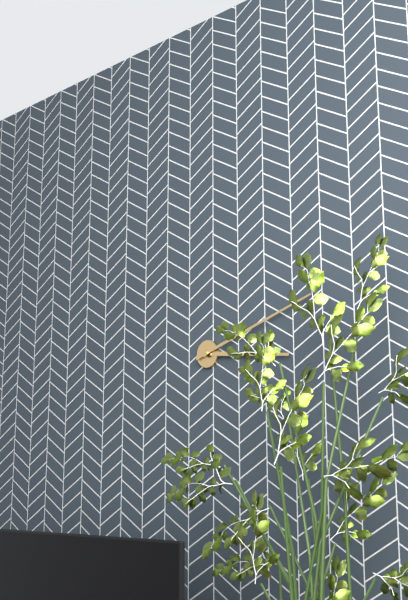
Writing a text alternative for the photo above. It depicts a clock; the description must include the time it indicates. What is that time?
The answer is 3:12
